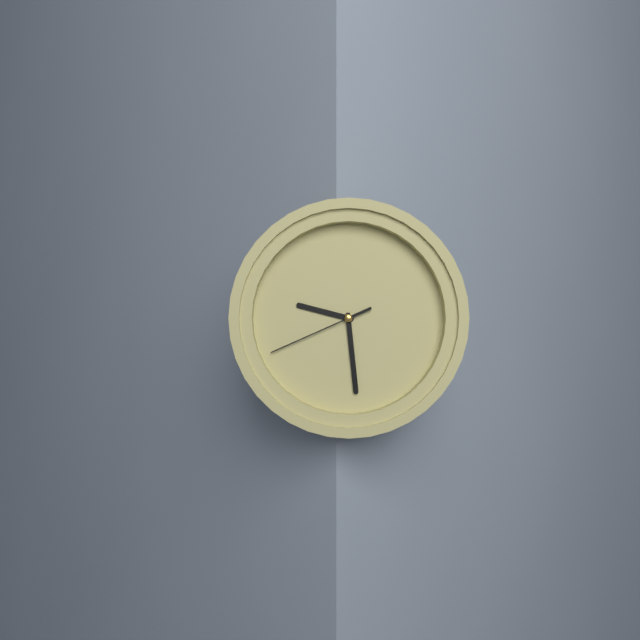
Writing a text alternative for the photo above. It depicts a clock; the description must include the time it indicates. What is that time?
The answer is 9:29:41
